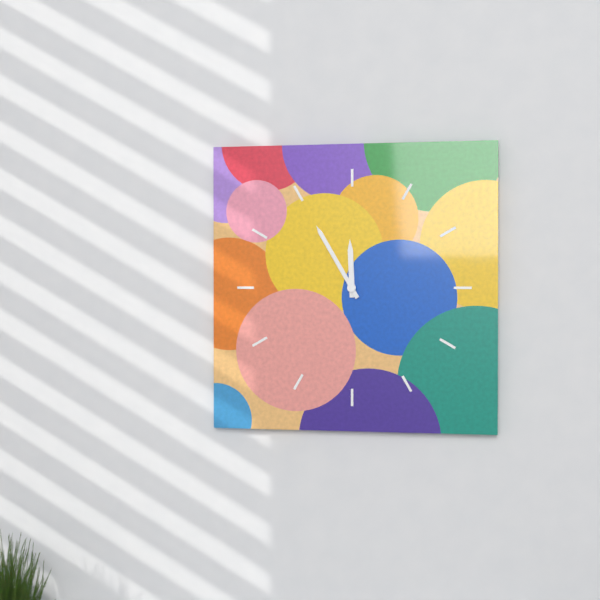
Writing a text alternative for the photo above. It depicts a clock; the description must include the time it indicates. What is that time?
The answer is 11:55
